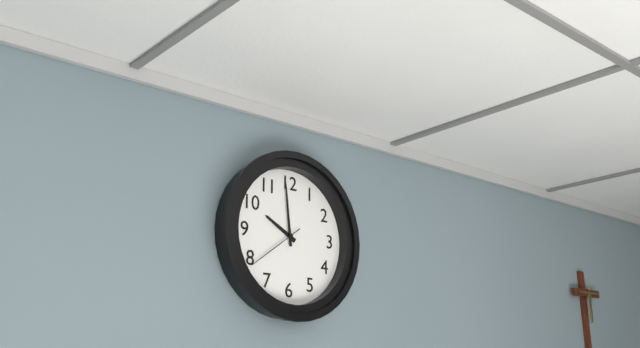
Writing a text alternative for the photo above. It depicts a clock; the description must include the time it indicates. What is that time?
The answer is 9:59:39
